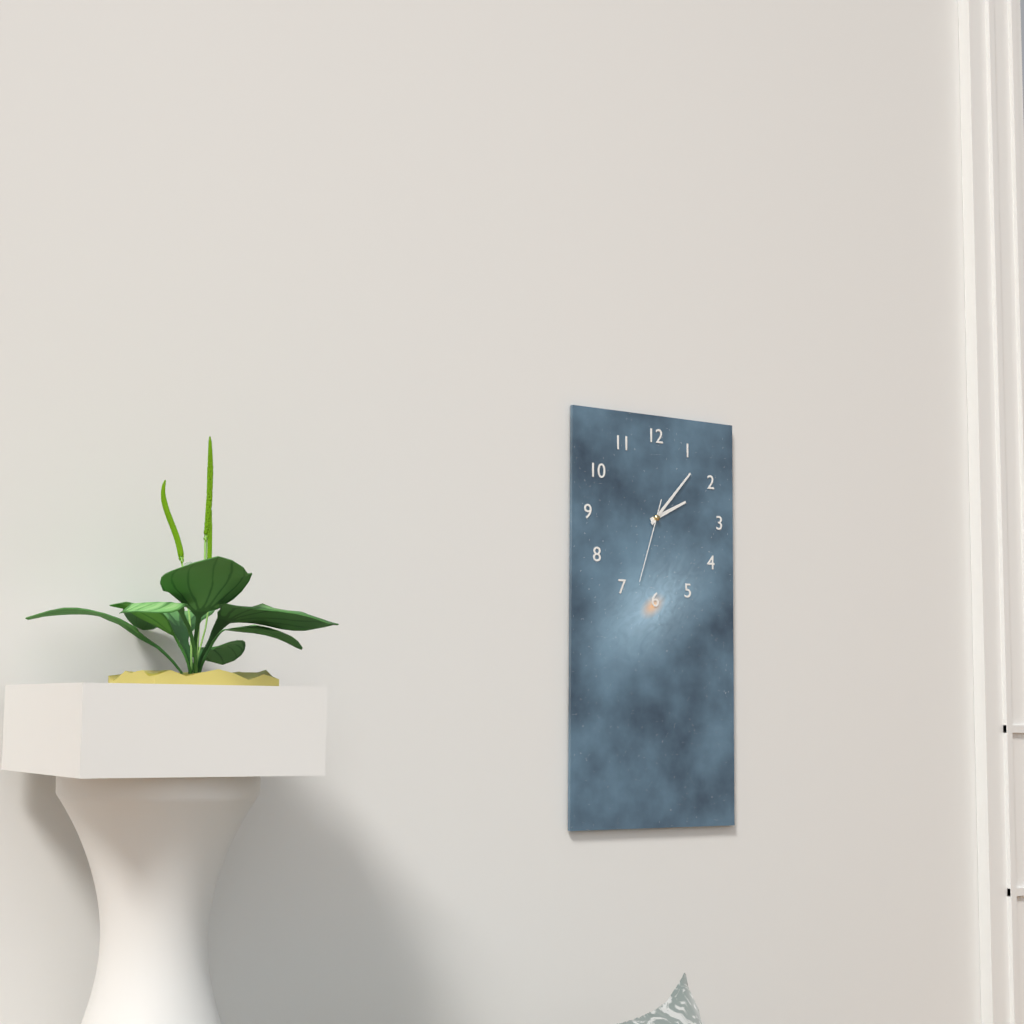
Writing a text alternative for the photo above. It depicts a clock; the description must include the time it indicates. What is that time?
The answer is 2:07:33
